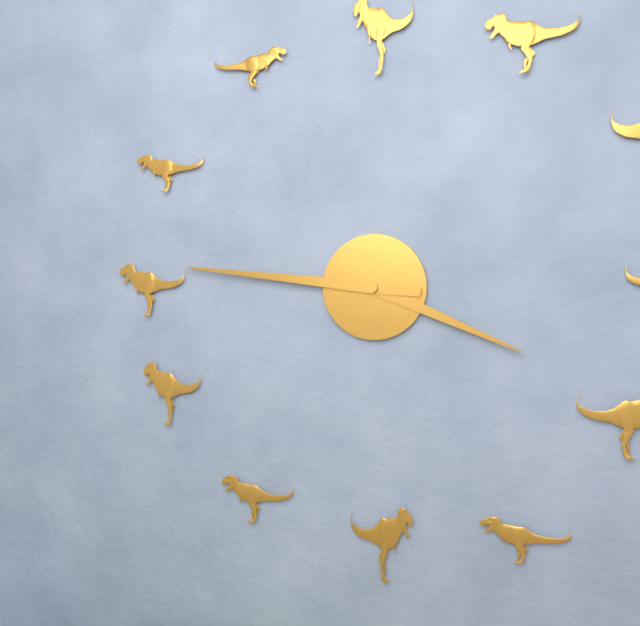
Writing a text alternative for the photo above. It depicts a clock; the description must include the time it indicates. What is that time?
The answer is 3:46
